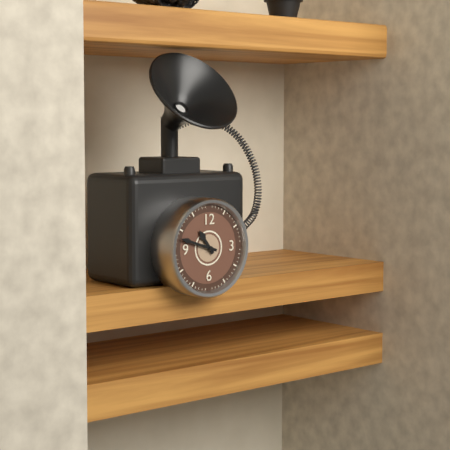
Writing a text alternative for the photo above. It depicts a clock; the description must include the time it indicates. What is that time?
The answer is 10:48
